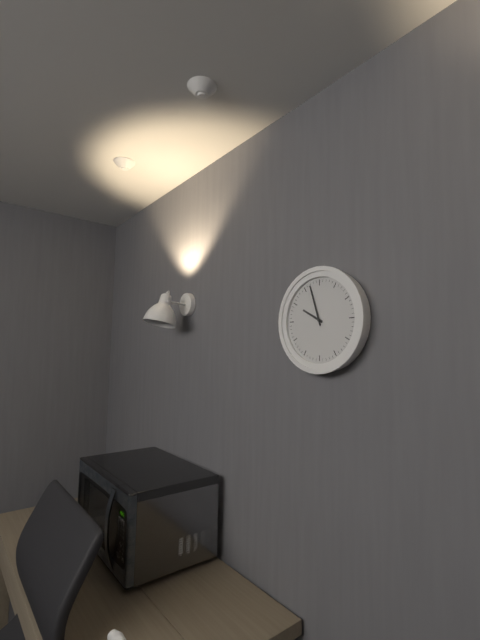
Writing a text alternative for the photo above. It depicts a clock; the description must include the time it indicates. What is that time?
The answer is 9:57
